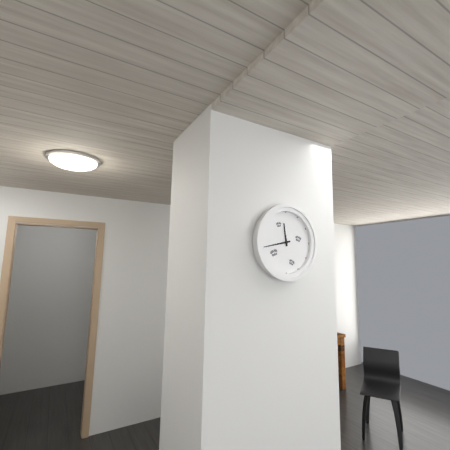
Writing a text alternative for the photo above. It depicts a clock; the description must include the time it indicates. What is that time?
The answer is 11:43
